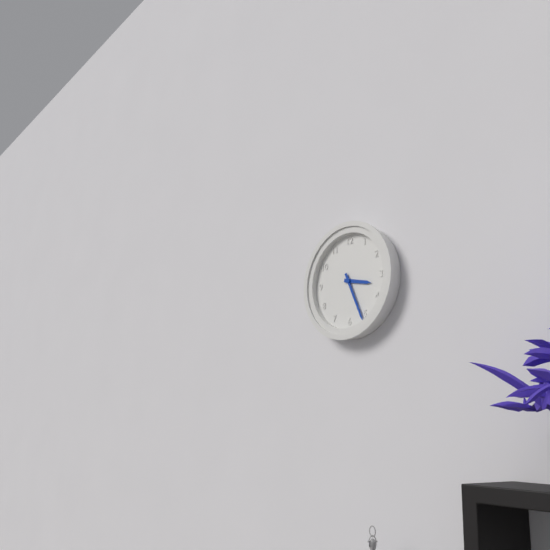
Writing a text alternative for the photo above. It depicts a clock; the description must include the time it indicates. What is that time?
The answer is 3:26
